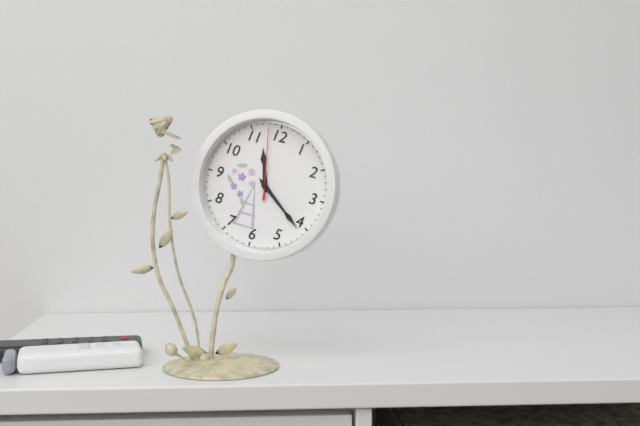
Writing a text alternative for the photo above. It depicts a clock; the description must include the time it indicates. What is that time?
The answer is 11:21:58
